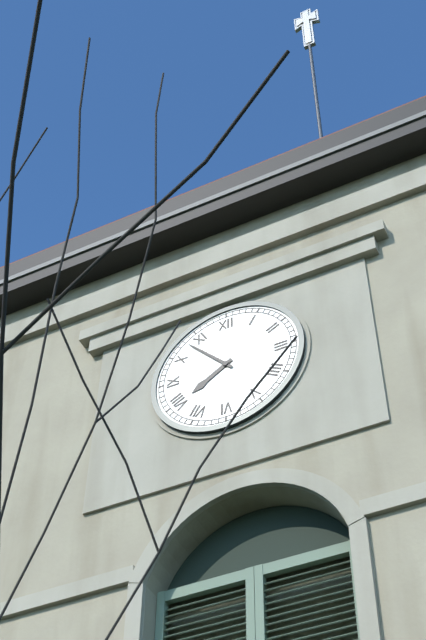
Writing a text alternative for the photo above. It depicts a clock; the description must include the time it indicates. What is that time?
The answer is 7:53
